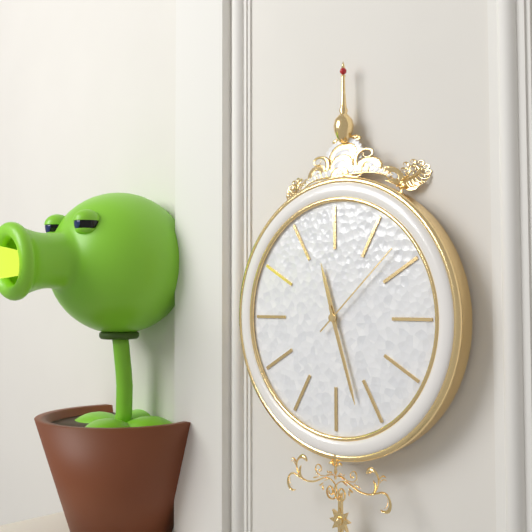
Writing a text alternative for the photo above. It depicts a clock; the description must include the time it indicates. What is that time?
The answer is 11:27:08
